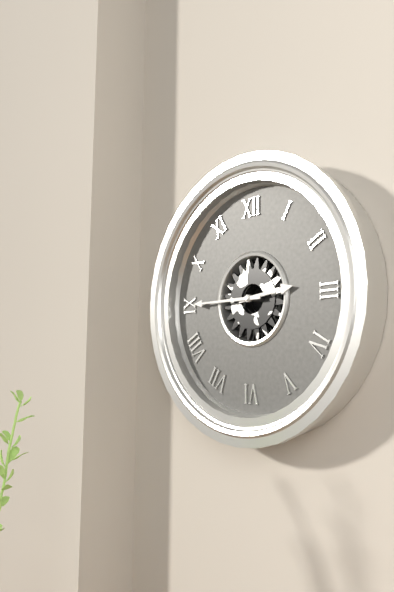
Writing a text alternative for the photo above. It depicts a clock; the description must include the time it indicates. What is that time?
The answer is 2:45
